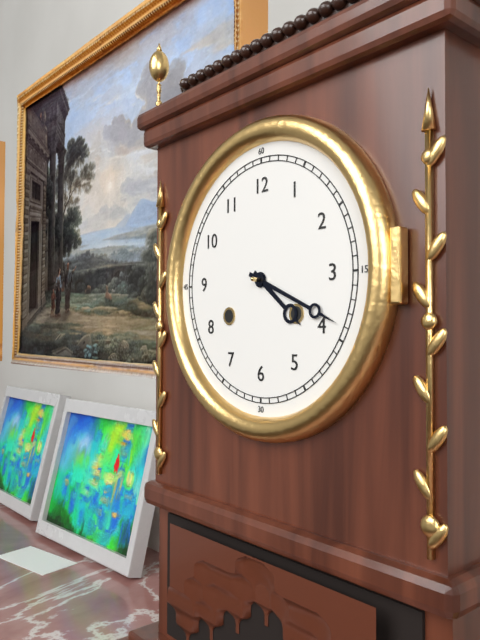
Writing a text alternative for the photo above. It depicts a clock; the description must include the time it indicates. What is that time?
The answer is 4:19
